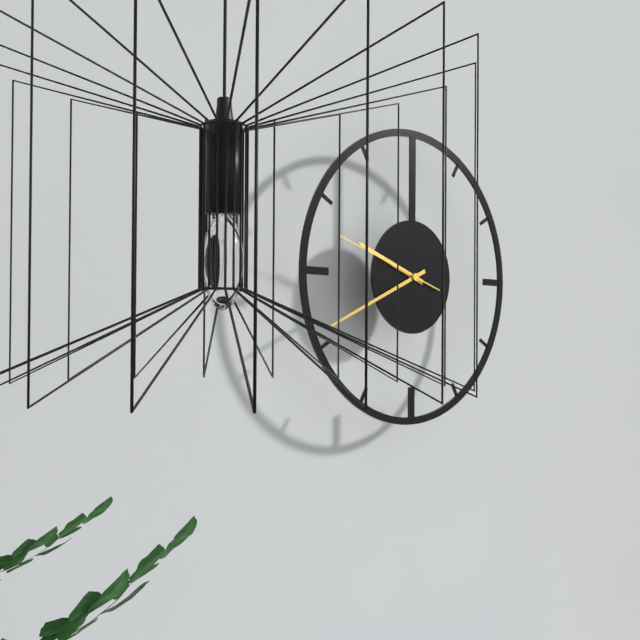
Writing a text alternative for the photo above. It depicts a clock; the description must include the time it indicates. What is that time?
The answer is 9:41:48
